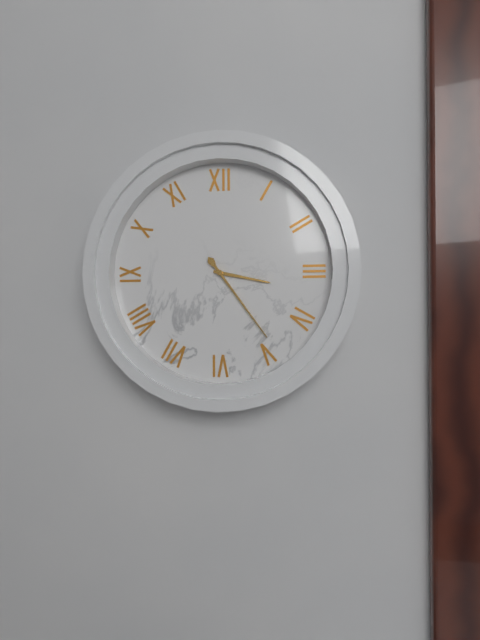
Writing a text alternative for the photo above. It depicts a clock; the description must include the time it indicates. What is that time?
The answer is 3:24
